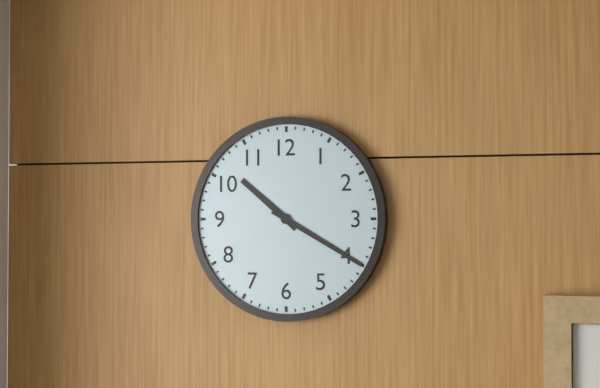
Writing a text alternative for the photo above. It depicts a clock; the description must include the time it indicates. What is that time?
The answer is 10:20
